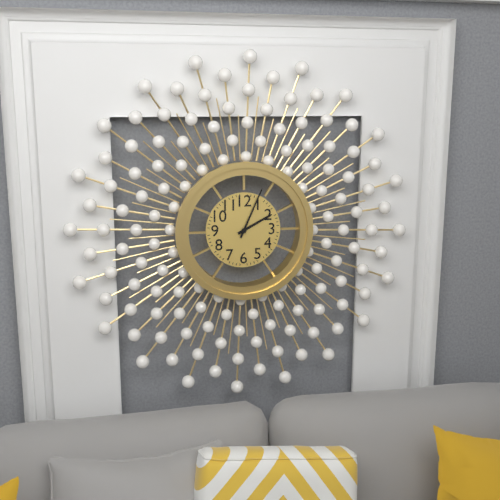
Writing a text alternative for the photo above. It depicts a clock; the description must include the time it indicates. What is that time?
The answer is 2:04
